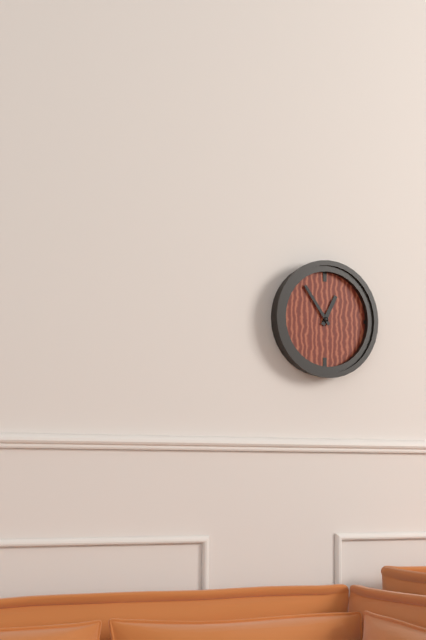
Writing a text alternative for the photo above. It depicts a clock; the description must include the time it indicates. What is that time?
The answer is 12:54
